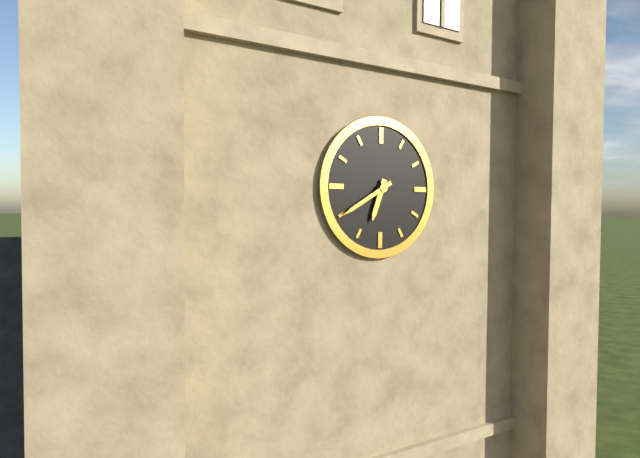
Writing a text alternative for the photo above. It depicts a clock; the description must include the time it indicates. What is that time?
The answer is 6:40
